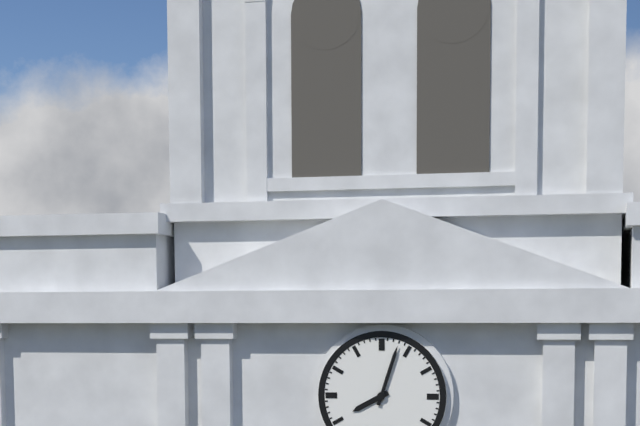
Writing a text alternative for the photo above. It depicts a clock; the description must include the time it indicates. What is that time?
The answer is 8:03
